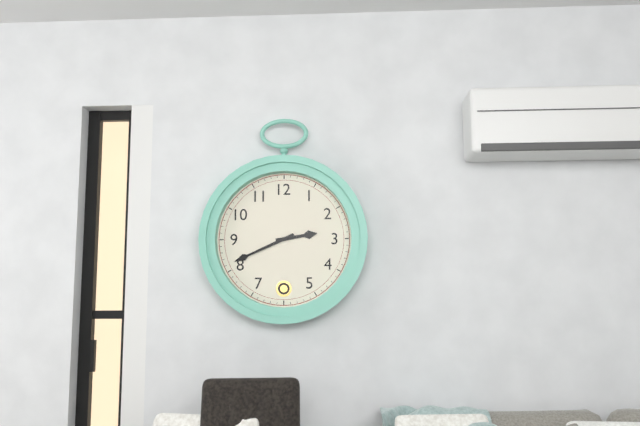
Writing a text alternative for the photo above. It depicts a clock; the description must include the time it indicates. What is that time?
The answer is 2:41
